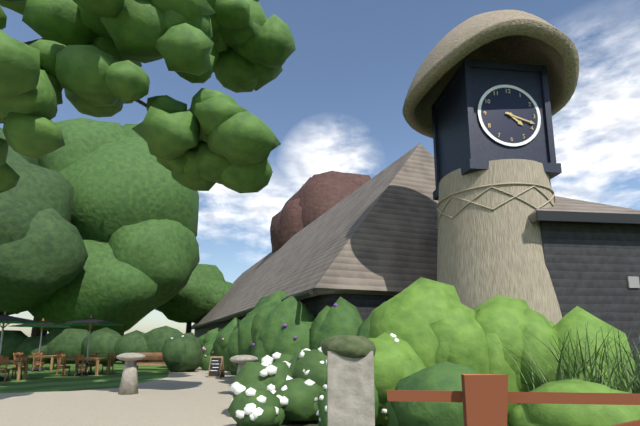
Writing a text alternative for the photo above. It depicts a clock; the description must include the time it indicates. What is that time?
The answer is 4:18
